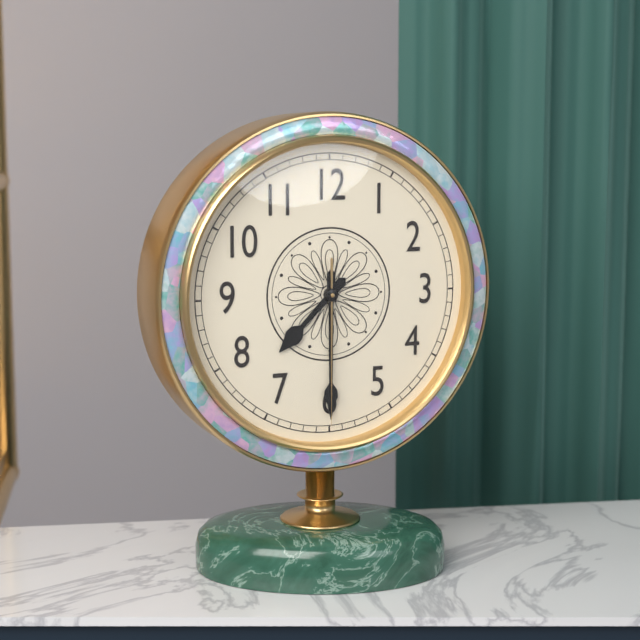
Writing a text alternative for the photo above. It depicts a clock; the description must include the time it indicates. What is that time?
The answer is 7:30:30
